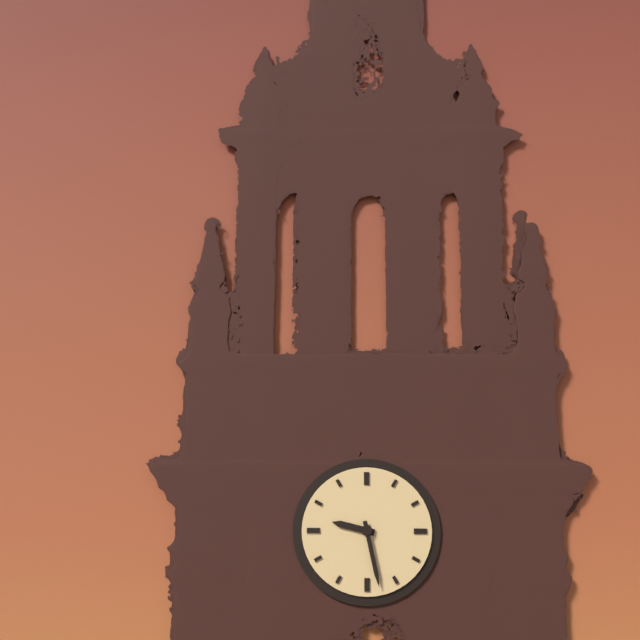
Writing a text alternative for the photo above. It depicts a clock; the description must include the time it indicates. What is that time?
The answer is 9:28
